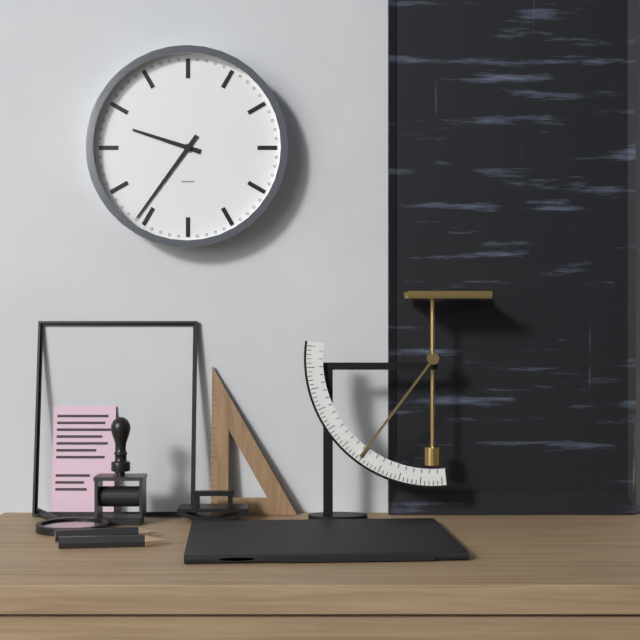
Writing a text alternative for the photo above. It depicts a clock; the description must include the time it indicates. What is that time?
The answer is 9:36
